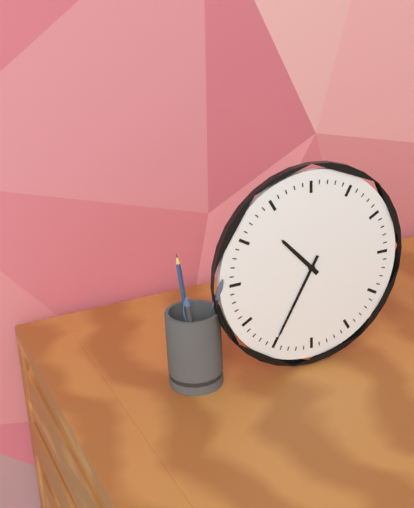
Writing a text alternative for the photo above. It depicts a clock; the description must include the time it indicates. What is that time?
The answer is 10:35
